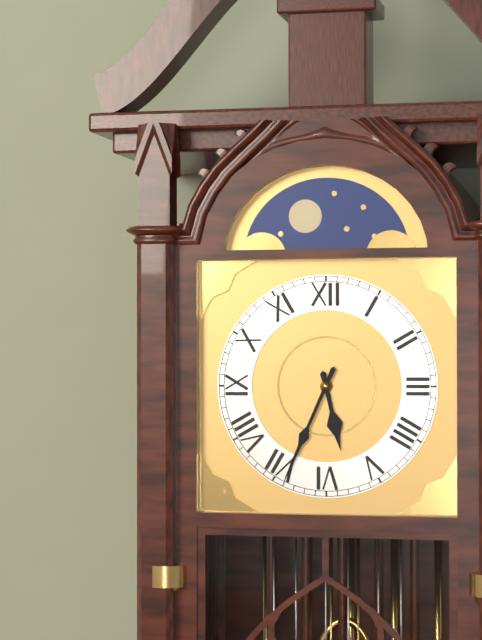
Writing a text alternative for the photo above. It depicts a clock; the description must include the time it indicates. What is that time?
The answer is 5:34
